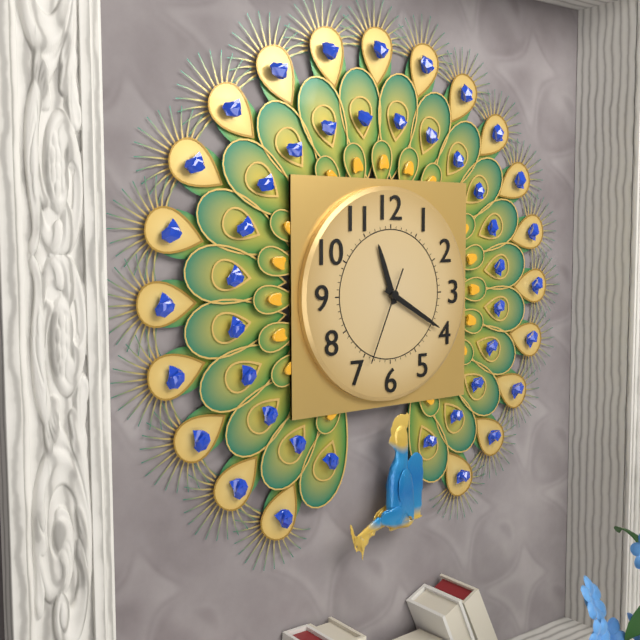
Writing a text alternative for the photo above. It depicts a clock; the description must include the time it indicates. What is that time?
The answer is 11:20:34
